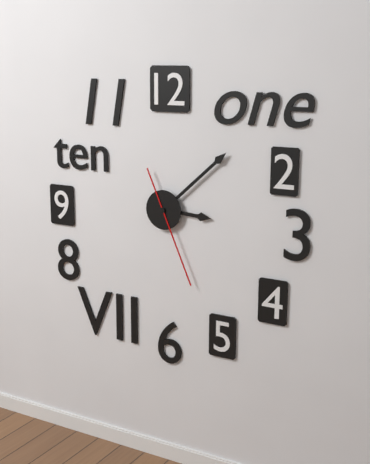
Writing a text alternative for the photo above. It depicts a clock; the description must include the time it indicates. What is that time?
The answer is 3:08:26
